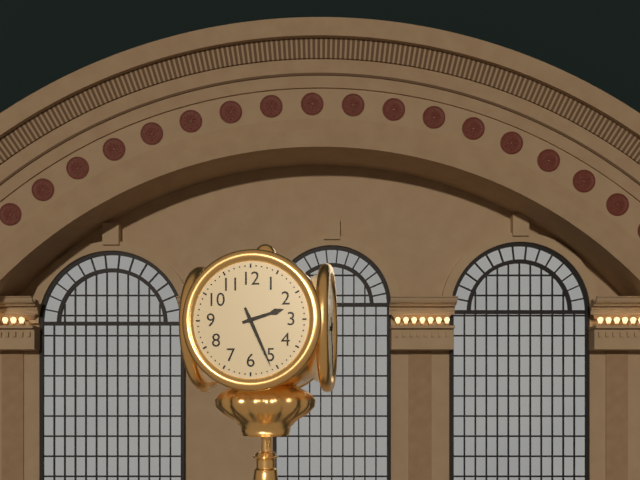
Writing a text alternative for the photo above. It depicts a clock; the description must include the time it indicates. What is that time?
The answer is 2:26
